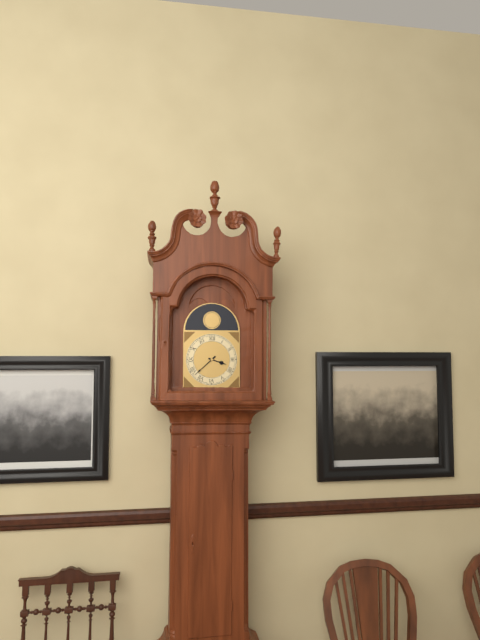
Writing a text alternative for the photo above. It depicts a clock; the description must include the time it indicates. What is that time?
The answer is 3:38
